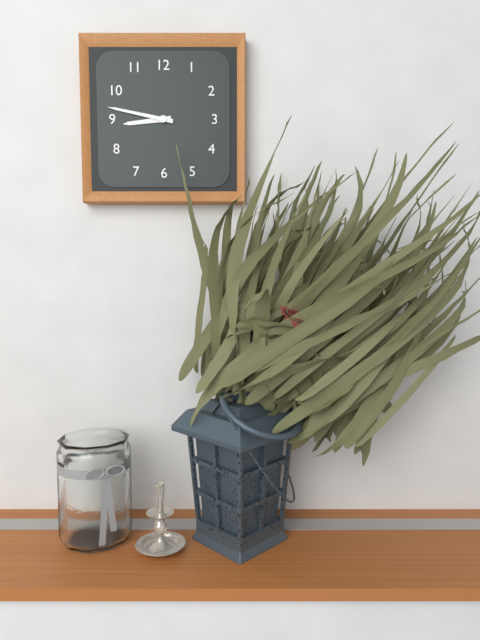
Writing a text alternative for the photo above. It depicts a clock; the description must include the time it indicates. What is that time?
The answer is 8:47
